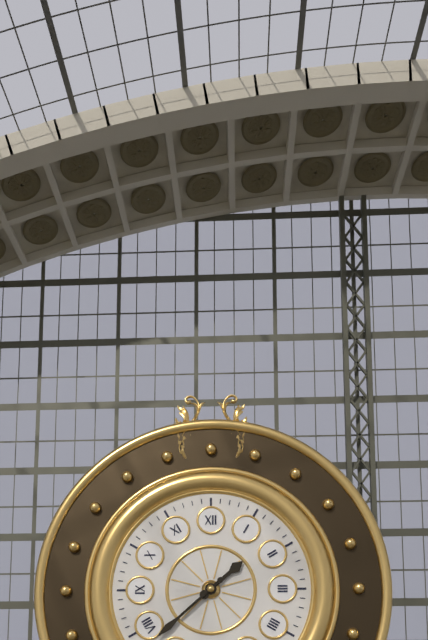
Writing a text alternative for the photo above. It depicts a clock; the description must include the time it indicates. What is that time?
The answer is 1:38
